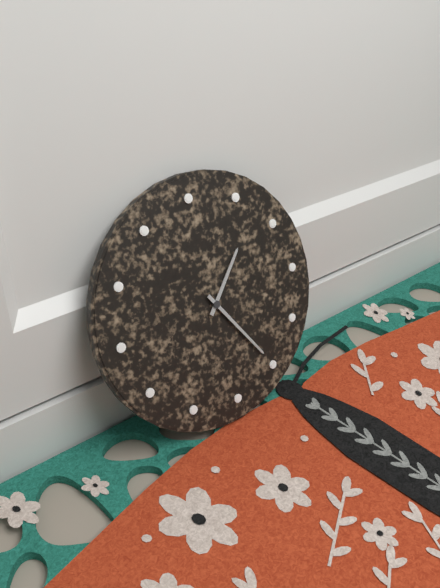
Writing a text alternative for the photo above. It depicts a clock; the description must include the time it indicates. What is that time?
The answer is 1:25
